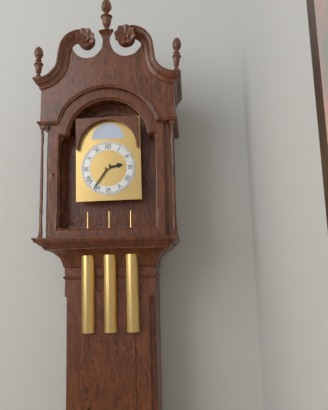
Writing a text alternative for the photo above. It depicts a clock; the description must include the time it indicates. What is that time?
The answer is 2:36
